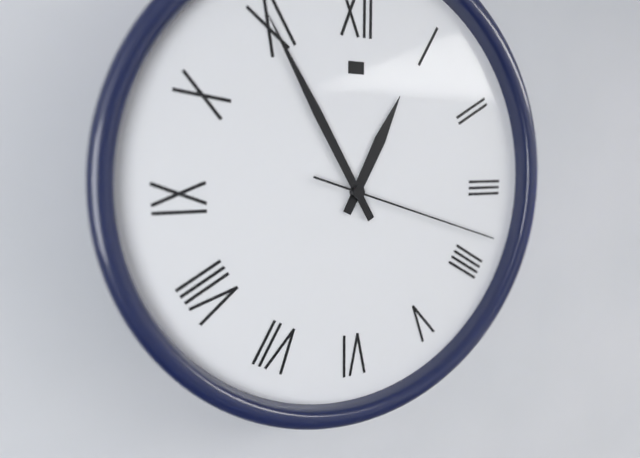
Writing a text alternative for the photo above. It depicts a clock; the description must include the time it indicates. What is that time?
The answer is 12:55:18
